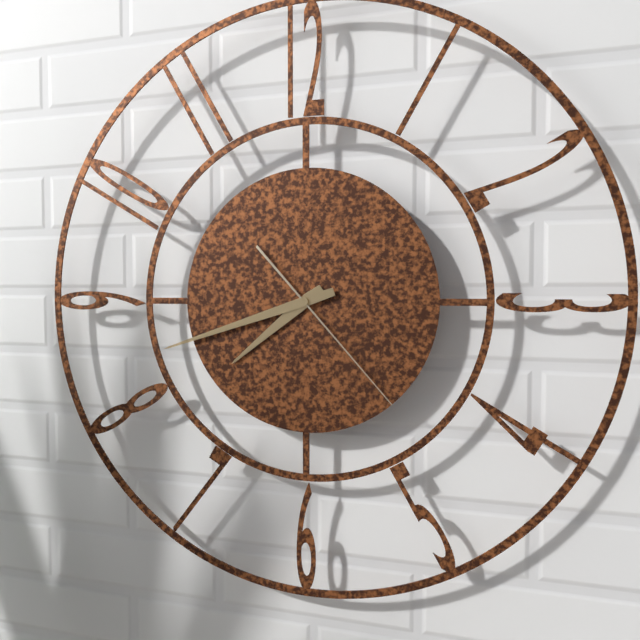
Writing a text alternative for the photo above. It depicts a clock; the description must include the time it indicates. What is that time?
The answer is 7:42:23
